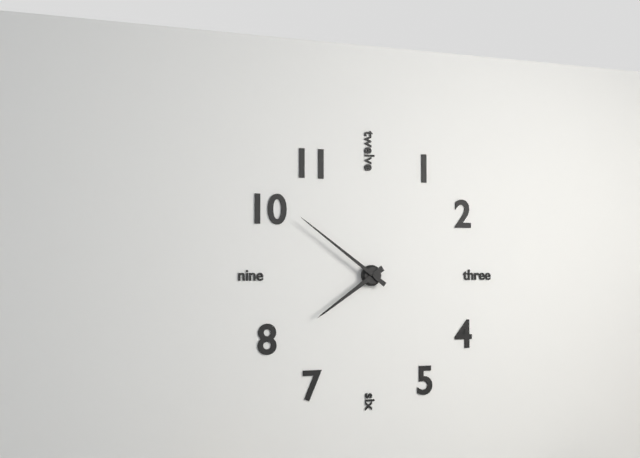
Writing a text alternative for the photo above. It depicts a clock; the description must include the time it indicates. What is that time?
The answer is 7:51
